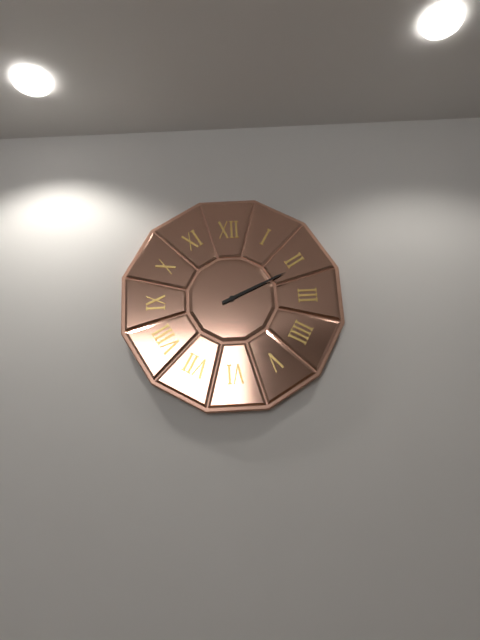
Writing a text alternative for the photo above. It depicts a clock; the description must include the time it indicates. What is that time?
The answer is 2:11
